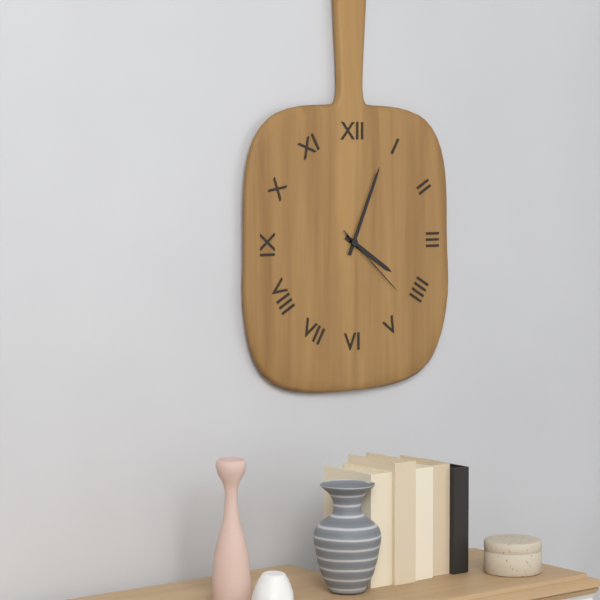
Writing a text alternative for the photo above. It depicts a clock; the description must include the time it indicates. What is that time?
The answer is 4:04:22
